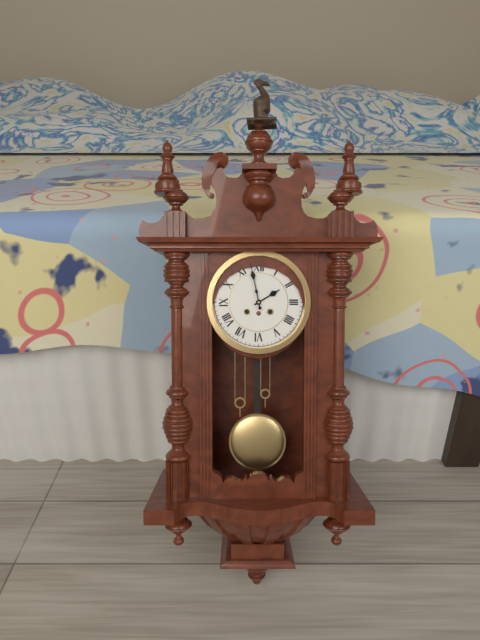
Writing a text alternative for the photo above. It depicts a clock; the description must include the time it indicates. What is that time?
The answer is 1:58
